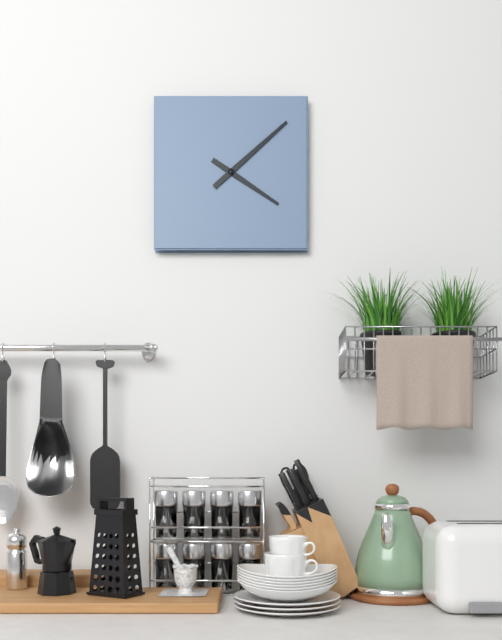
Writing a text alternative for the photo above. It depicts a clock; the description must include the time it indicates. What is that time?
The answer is 4:08
